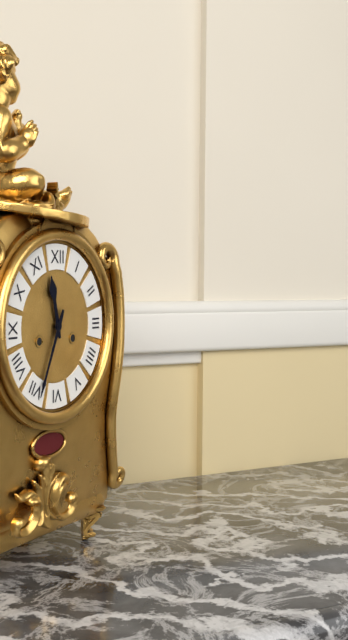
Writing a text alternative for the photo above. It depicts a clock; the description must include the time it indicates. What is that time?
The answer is 11:34
